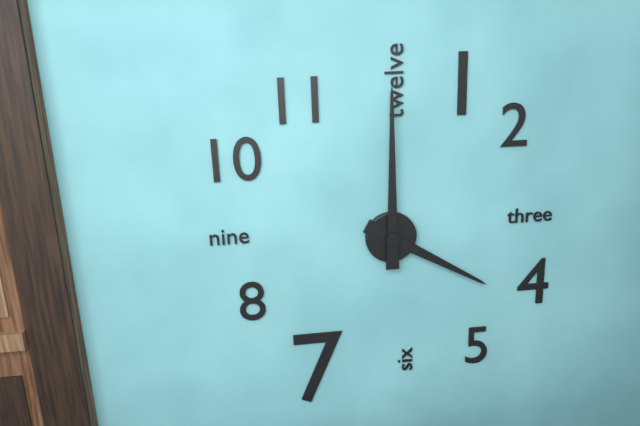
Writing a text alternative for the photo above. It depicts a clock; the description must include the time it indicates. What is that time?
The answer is 4:00
